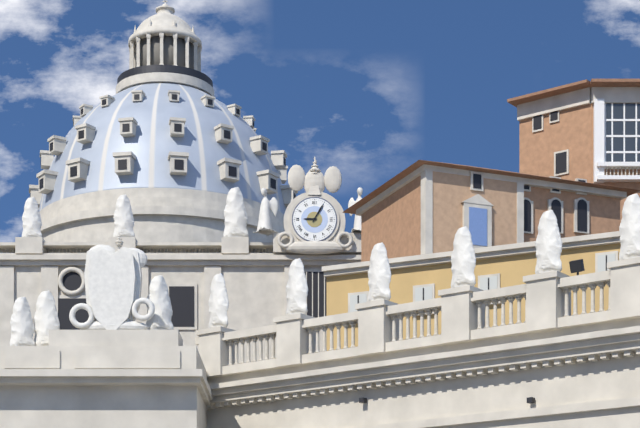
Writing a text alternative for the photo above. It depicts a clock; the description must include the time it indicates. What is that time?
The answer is 9:05
